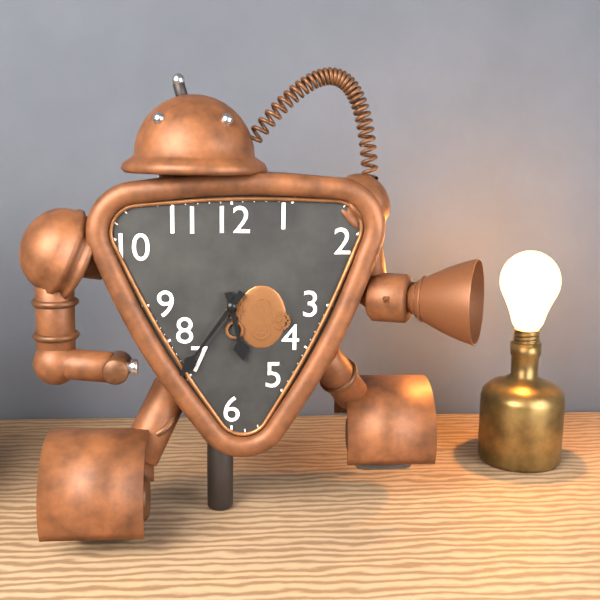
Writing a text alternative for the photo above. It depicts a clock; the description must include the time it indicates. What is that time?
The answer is 5:36
